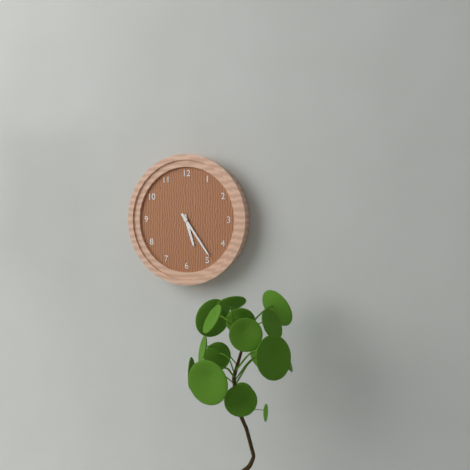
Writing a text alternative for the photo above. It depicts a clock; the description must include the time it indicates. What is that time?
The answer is 5:24
